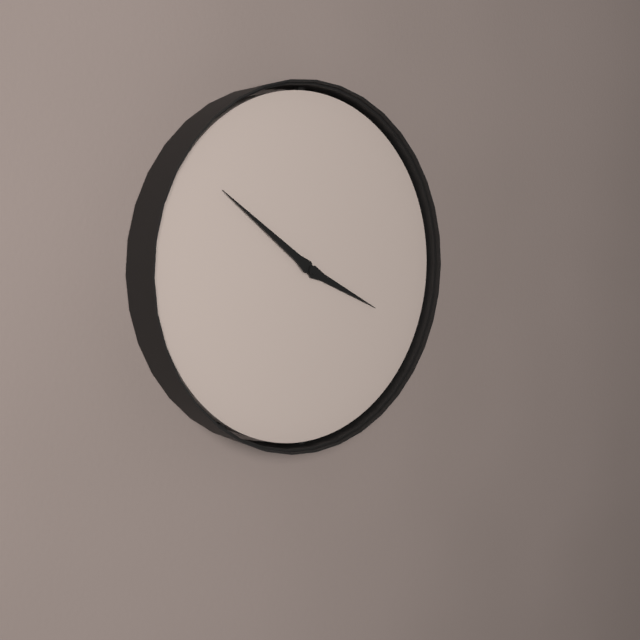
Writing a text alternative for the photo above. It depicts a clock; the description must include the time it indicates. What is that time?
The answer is 3:51
